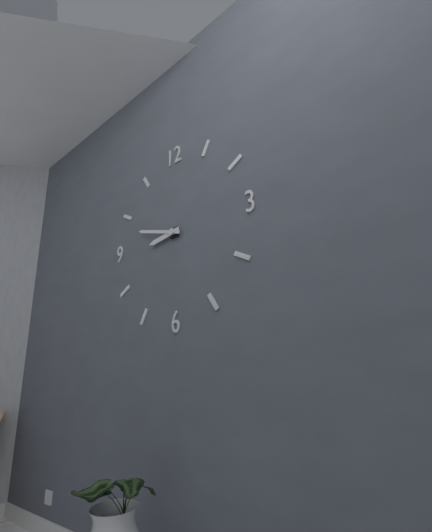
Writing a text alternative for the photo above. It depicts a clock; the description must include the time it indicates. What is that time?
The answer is 8:48
